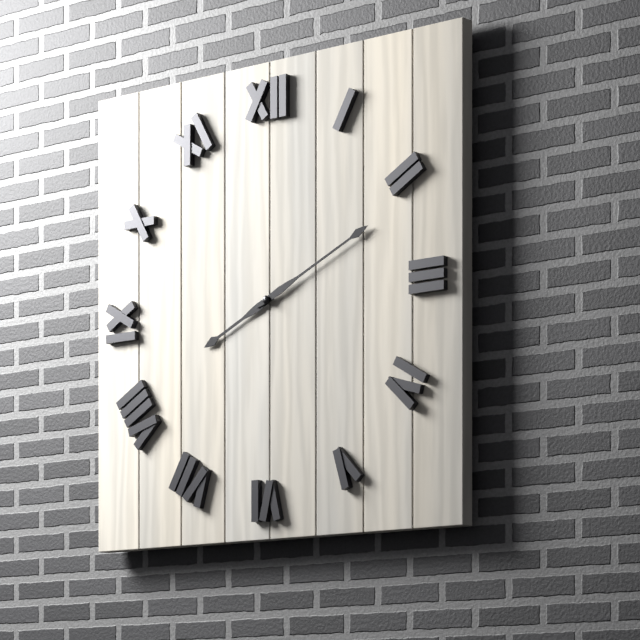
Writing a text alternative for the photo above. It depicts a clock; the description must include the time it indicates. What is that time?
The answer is 8:11
